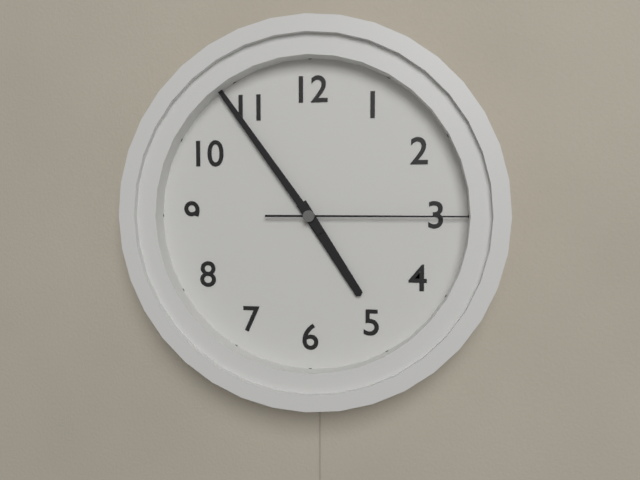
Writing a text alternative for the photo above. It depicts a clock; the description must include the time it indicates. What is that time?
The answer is 4:54:15
